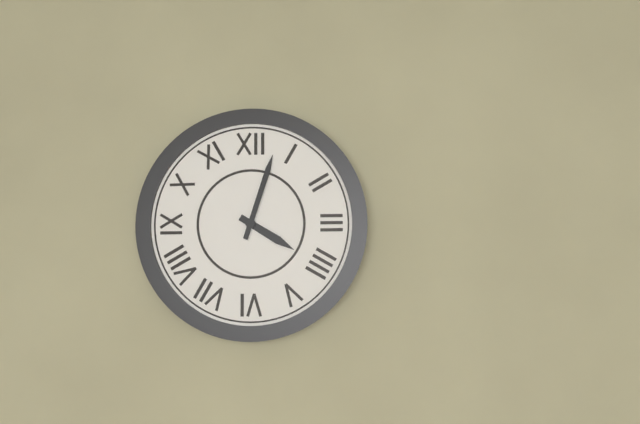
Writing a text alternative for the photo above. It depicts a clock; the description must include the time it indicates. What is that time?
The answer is 4:03
